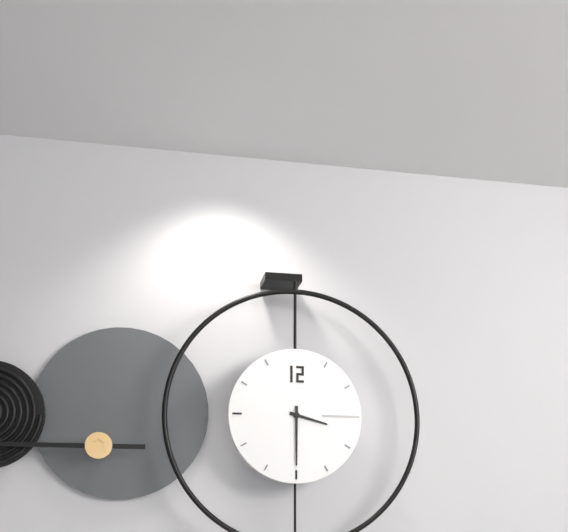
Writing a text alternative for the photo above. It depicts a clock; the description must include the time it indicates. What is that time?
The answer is 3:30
